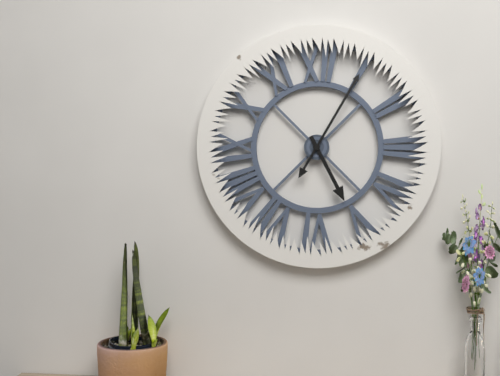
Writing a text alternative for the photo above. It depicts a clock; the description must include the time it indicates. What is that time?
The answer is 5:05
